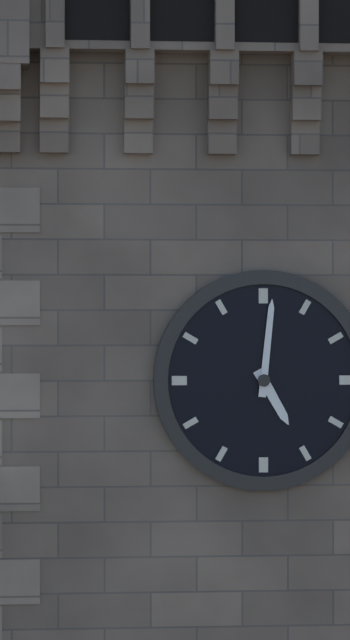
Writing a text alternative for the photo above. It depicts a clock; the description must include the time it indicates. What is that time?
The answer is 5:01
